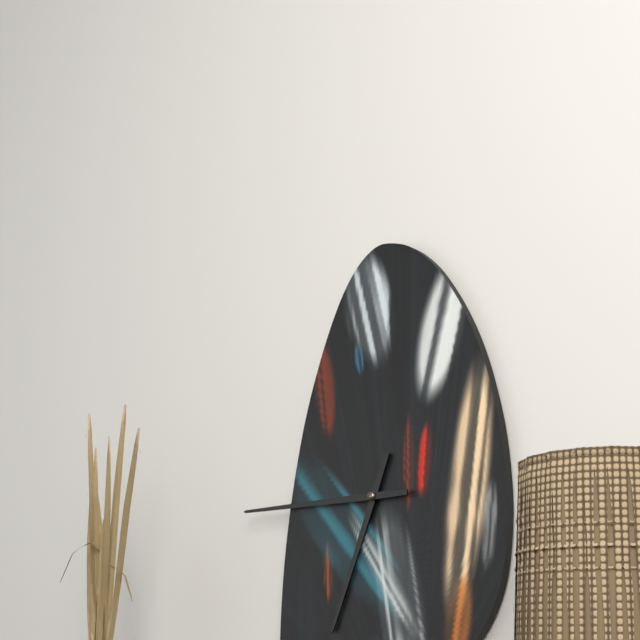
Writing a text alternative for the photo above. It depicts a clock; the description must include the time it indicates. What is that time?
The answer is 6:45
